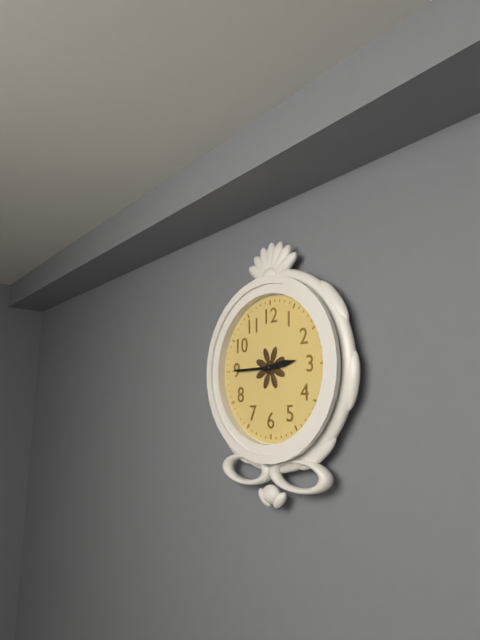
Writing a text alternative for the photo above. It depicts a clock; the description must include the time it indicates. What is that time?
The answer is 2:45
